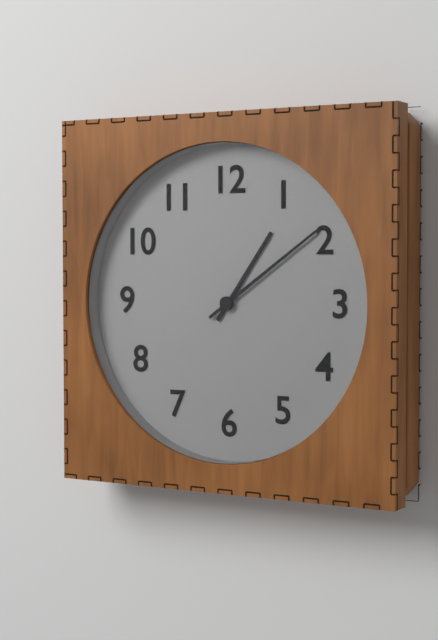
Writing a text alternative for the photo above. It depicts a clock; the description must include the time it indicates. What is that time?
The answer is 1:09
